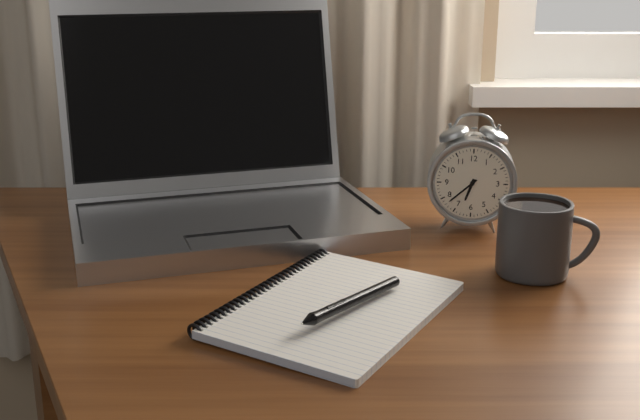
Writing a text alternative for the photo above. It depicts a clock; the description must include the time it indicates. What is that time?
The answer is 6:38
